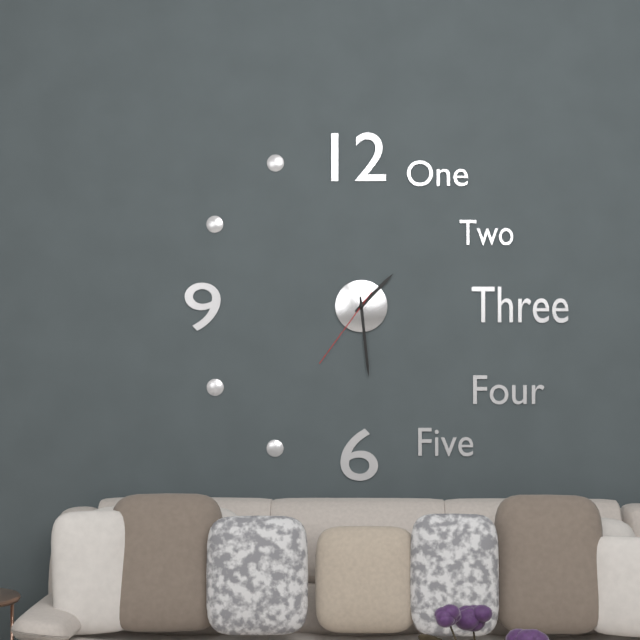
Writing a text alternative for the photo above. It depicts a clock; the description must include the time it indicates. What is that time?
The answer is 1:29:36
